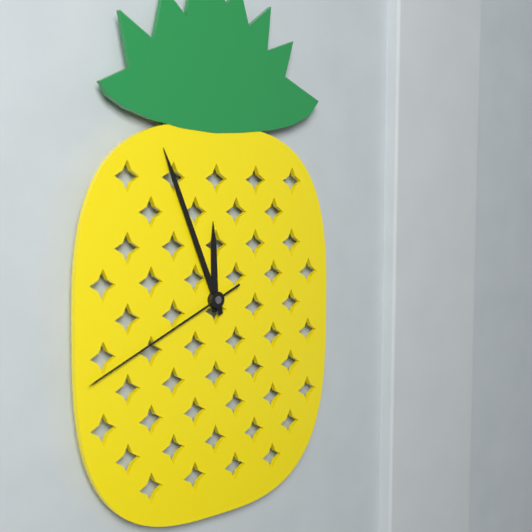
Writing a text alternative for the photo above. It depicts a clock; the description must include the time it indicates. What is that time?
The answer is 11:56:41
